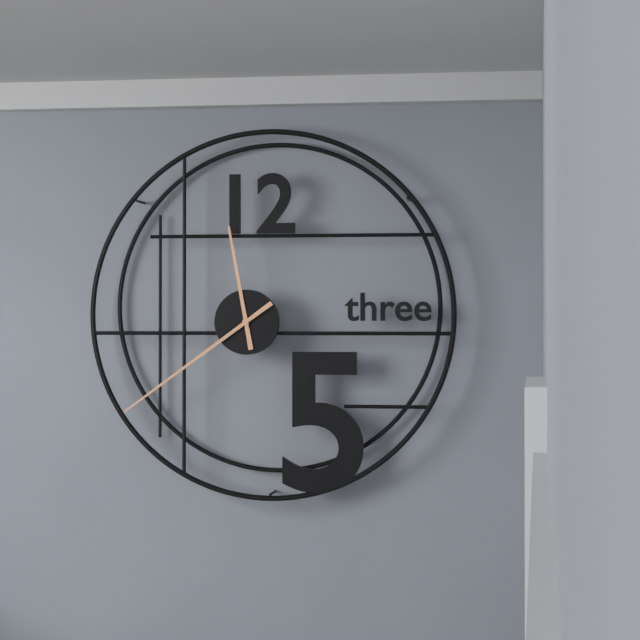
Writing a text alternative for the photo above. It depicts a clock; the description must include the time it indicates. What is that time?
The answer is 11:39
